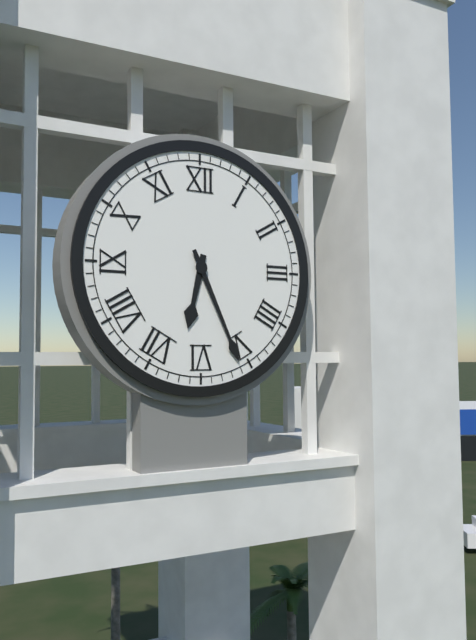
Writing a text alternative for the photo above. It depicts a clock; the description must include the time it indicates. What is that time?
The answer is 6:26
